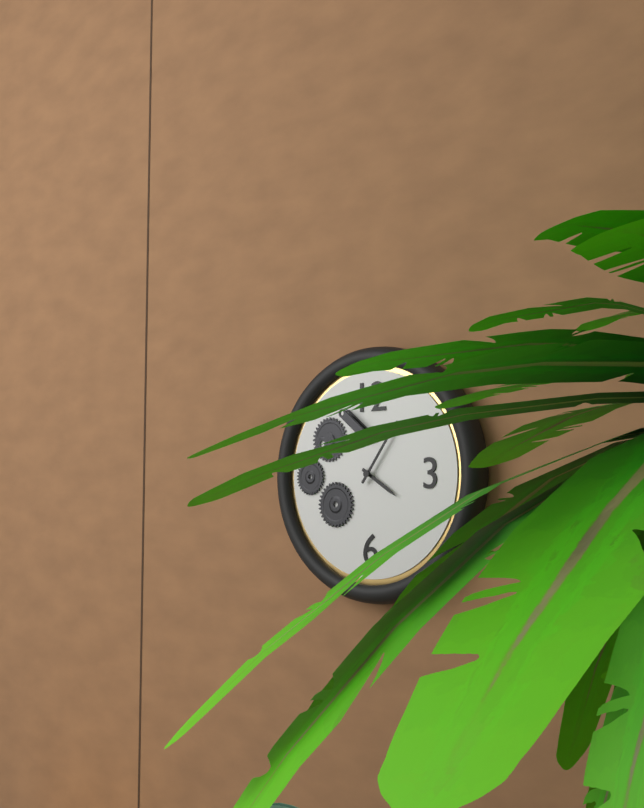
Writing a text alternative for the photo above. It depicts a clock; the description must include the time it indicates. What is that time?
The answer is 4:06
